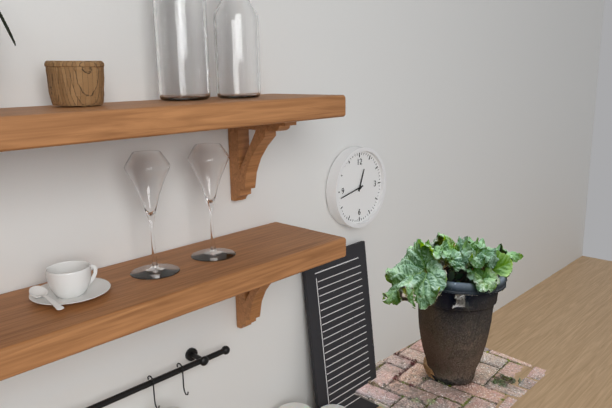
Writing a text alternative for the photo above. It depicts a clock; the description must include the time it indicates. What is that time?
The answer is 12:43
